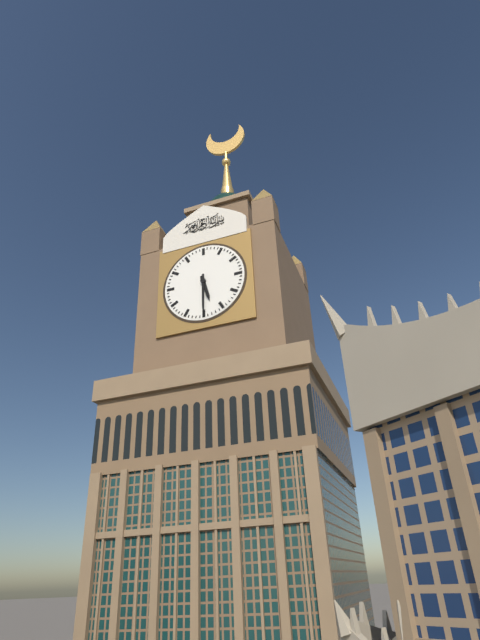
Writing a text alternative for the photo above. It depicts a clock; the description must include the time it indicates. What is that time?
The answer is 5:30
